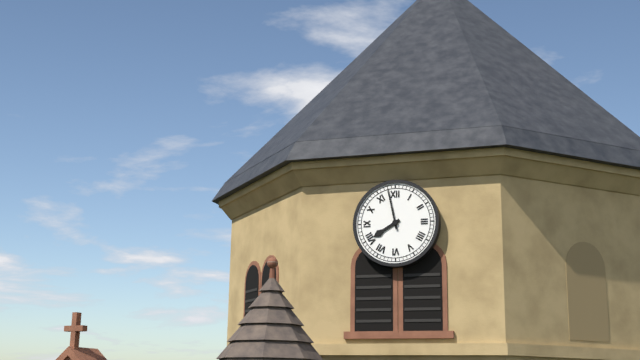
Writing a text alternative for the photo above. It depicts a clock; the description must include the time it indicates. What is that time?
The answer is 7:58
